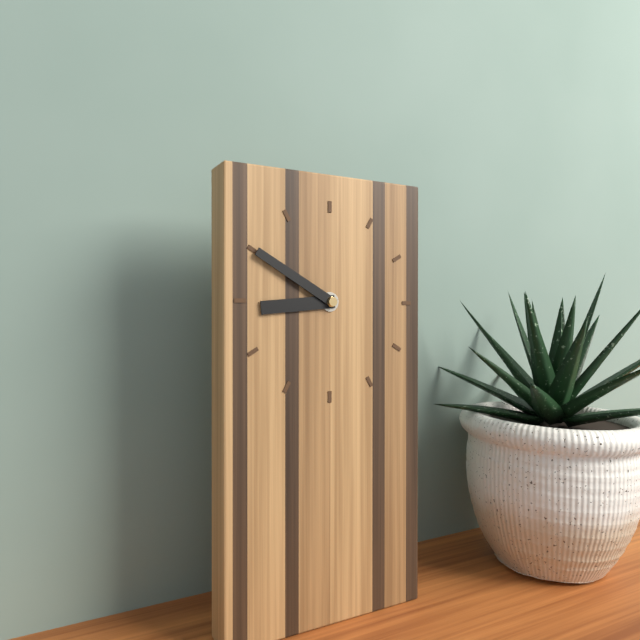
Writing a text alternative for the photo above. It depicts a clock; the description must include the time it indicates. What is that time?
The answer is 8:50
